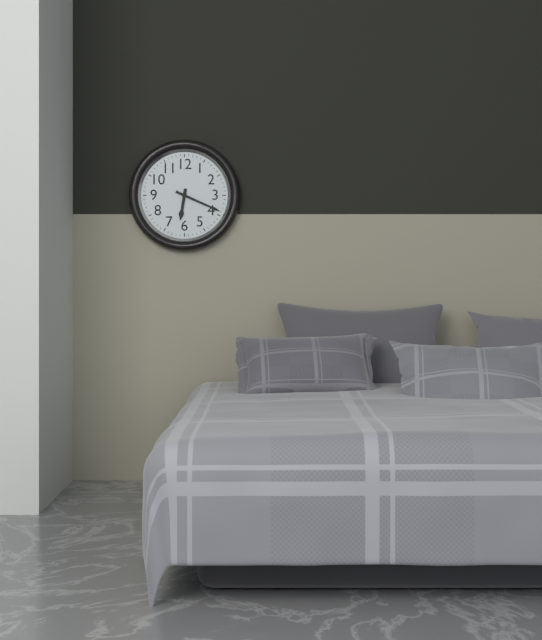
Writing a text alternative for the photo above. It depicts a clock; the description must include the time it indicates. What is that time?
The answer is 6:19
